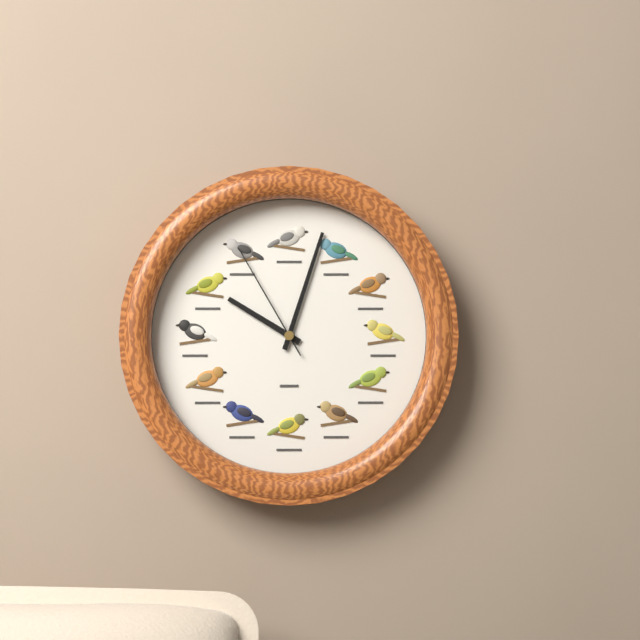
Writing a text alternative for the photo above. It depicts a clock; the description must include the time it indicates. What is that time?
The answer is 10:03:55
